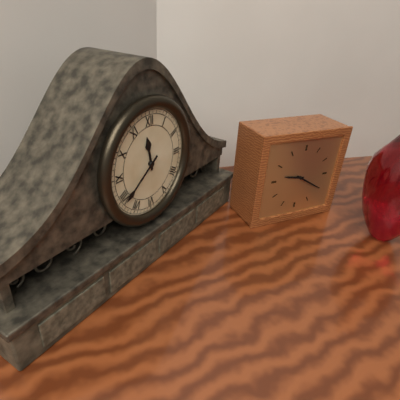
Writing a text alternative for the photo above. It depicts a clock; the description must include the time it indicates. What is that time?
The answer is 11:39
